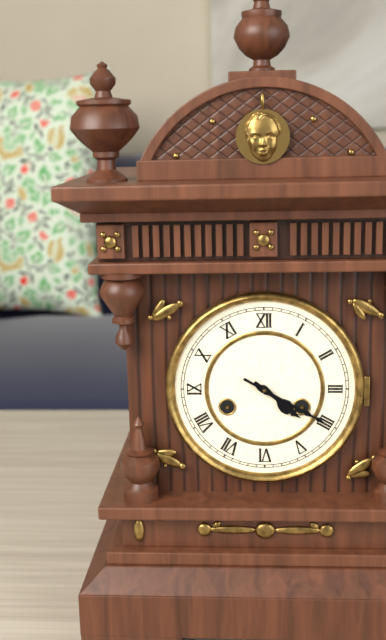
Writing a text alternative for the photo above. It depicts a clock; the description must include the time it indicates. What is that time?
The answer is 4:20
